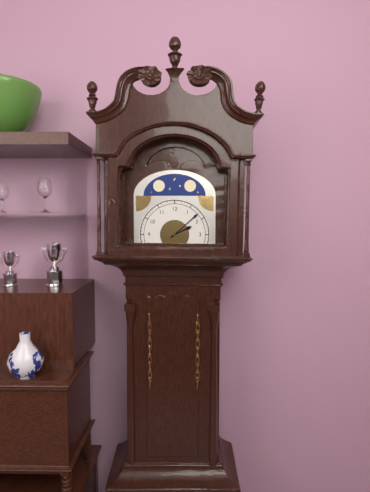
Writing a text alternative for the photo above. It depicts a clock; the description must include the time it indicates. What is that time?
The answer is 2:08
